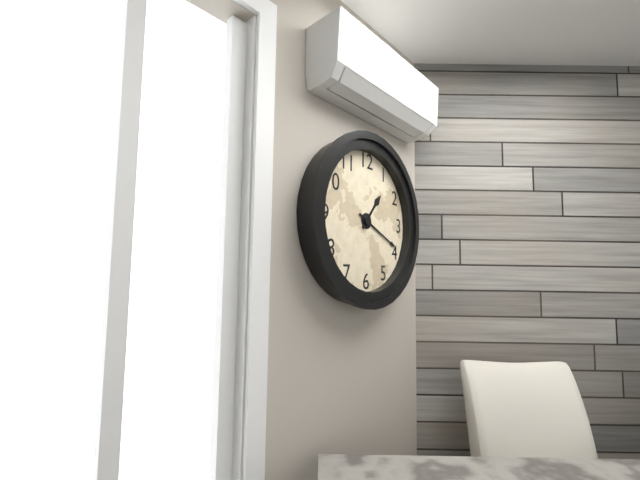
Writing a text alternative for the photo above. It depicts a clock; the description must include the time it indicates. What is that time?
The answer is 1:19
